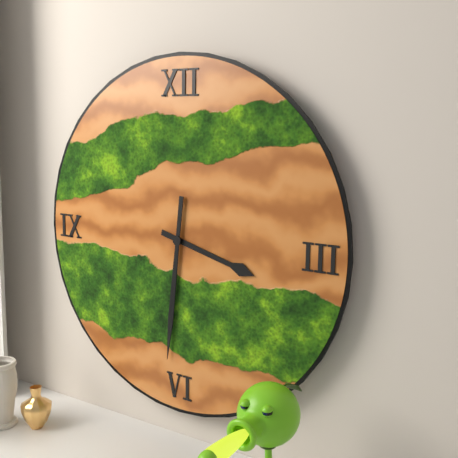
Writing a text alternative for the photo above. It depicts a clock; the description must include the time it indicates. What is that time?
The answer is 3:31
